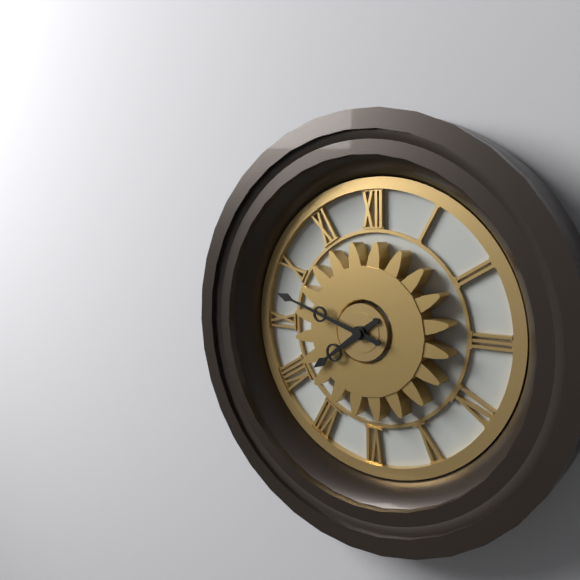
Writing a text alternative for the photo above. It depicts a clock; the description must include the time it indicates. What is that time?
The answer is 7:48
